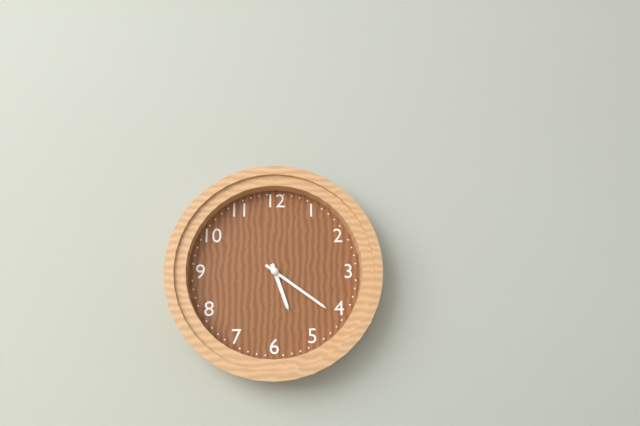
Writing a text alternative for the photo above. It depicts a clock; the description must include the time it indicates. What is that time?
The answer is 5:21
